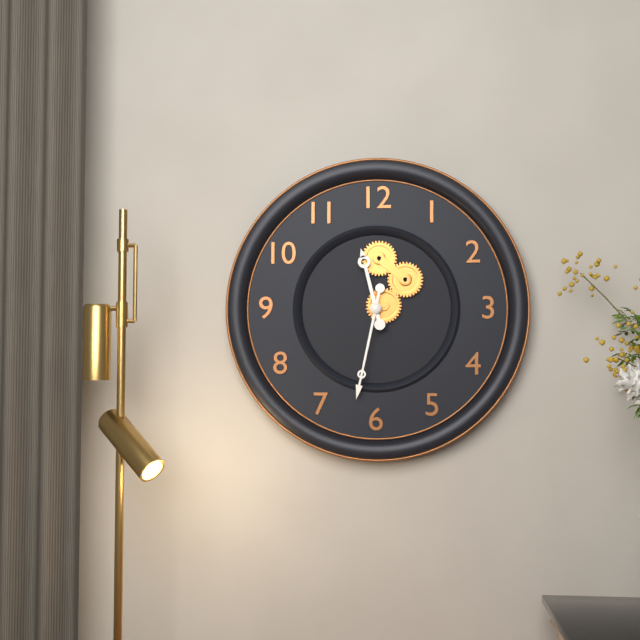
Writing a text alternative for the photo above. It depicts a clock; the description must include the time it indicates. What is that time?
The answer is 11:32
